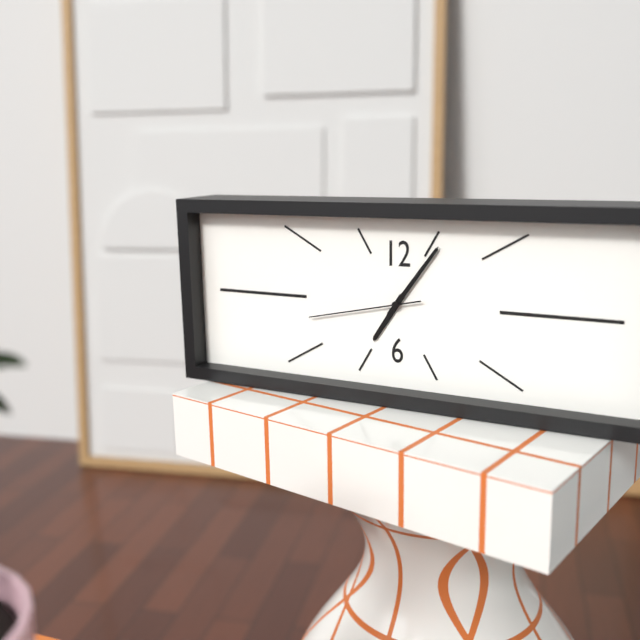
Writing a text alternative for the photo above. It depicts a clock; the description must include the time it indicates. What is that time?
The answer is 7:06:43
